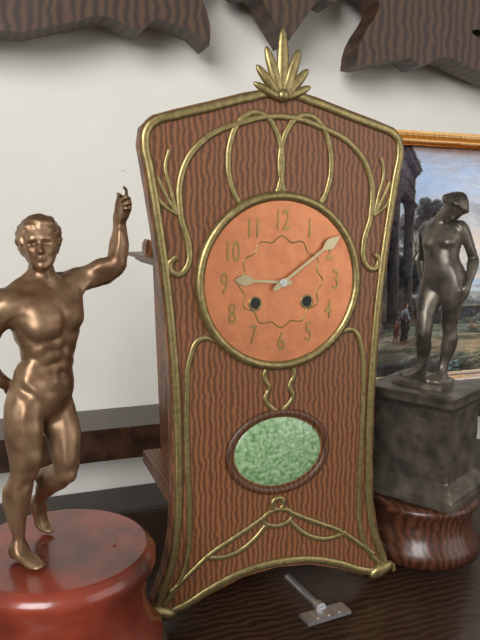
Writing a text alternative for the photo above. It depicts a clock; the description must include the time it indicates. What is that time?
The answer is 9:09
